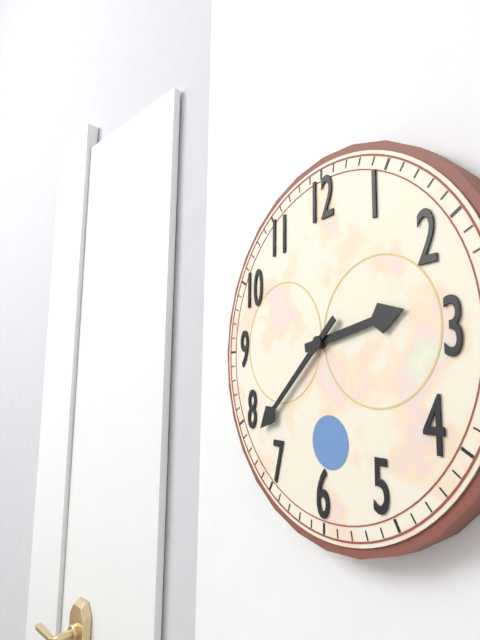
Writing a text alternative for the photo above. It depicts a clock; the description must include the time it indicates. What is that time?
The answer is 2:38
